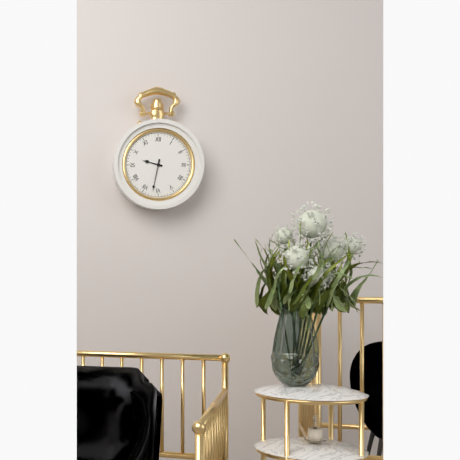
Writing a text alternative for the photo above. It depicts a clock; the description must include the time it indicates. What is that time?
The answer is 9:32
